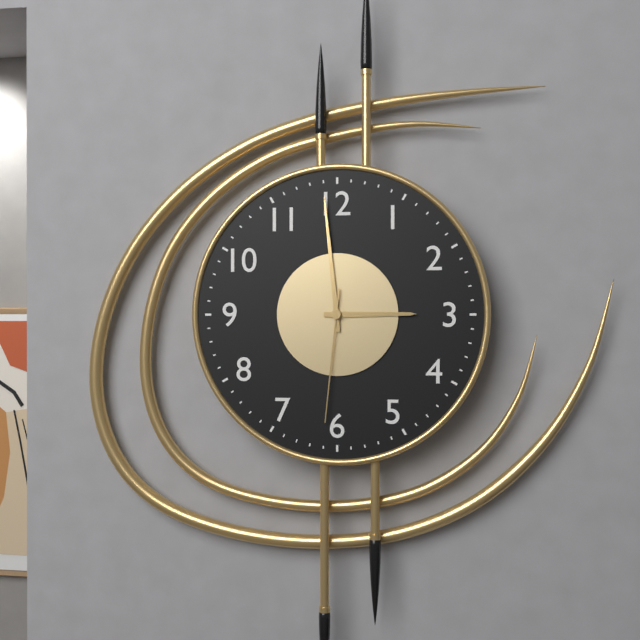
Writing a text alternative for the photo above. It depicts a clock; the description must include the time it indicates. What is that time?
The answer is 2:59:31
